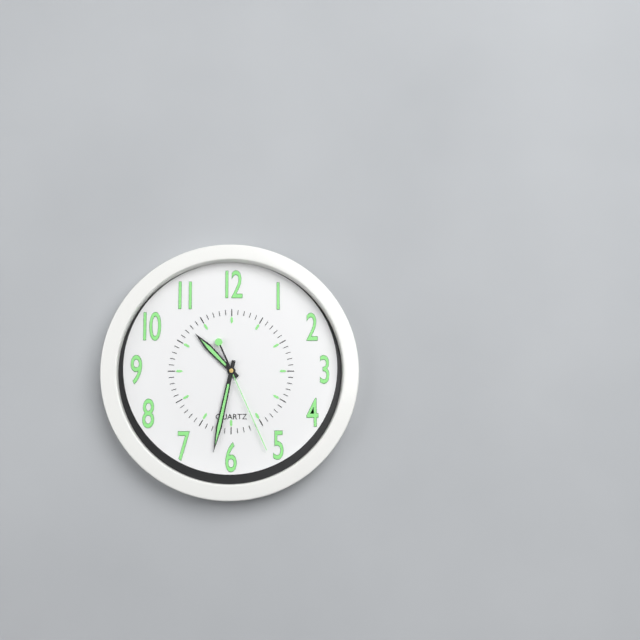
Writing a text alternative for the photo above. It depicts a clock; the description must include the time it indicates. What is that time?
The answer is 10:32:26
